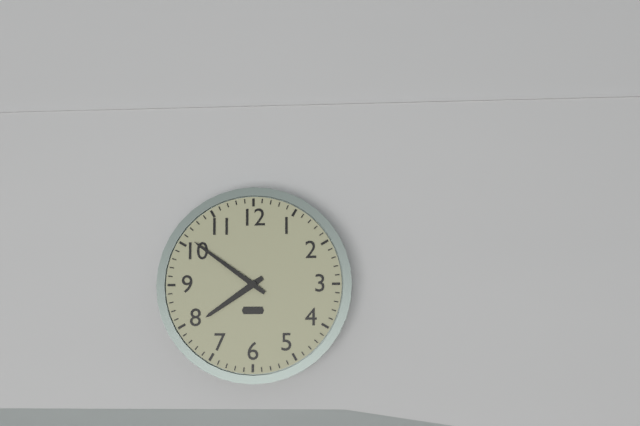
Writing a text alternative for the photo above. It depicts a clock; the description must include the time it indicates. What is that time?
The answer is 7:51
